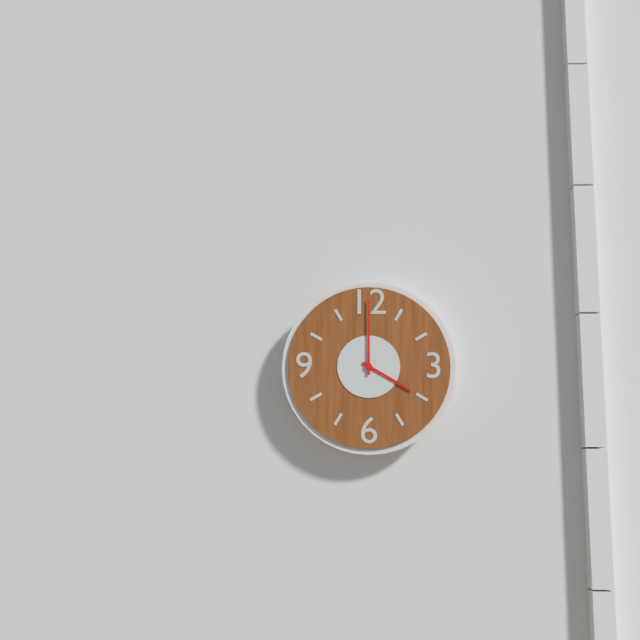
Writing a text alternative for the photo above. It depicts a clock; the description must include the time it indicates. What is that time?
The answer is 4:00
